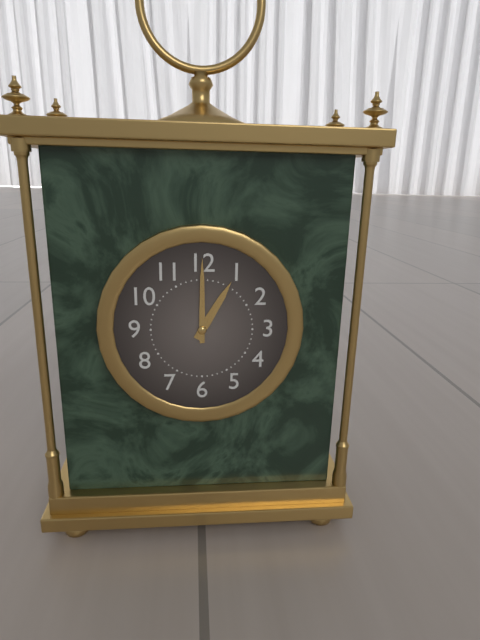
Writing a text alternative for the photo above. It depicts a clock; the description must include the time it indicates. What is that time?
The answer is 1:00
